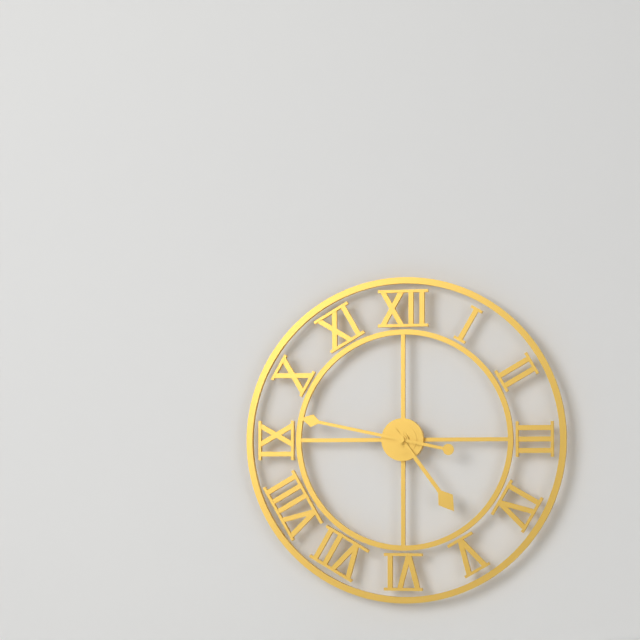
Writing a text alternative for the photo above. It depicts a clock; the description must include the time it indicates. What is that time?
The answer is 4:47
